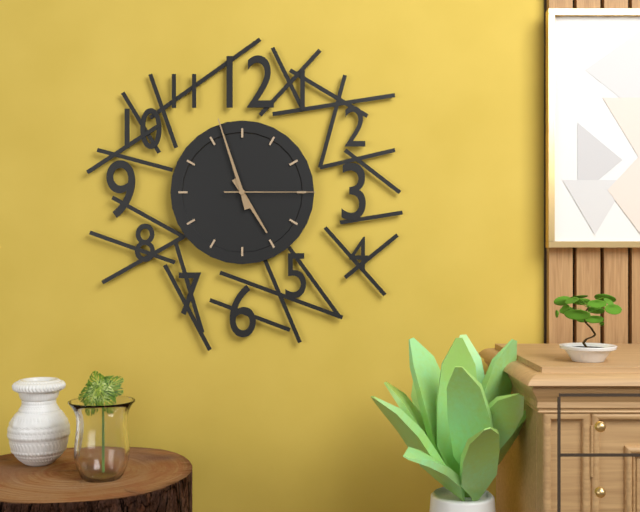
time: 4:57:15
